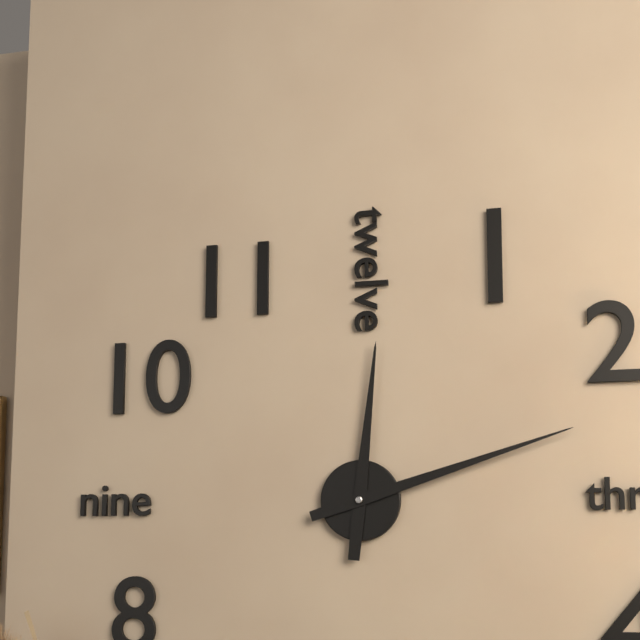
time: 12:12
